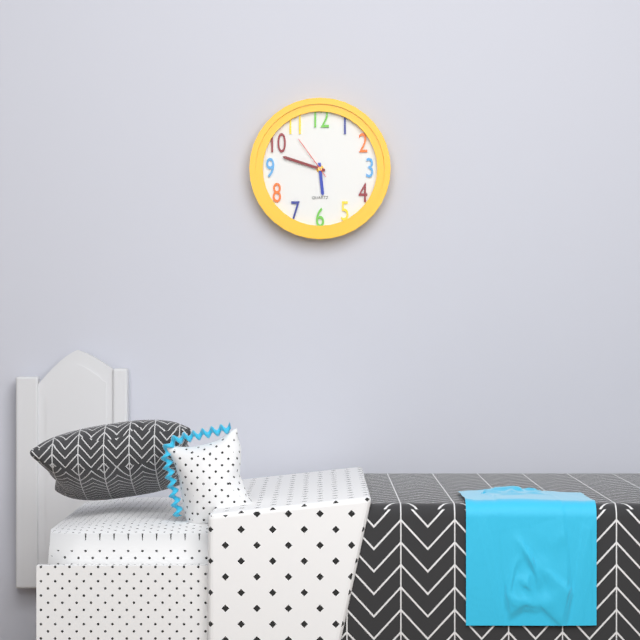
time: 5:48
